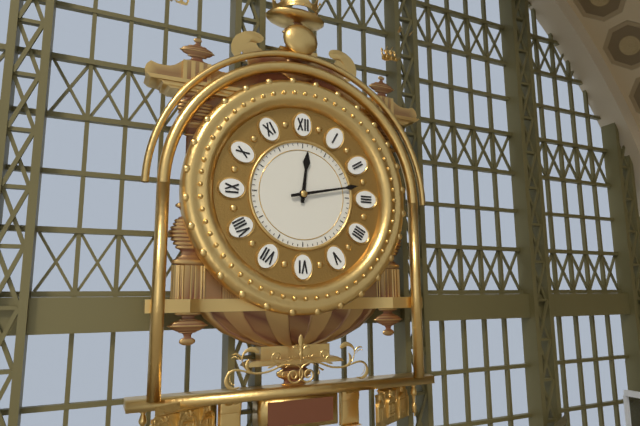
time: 12:13
